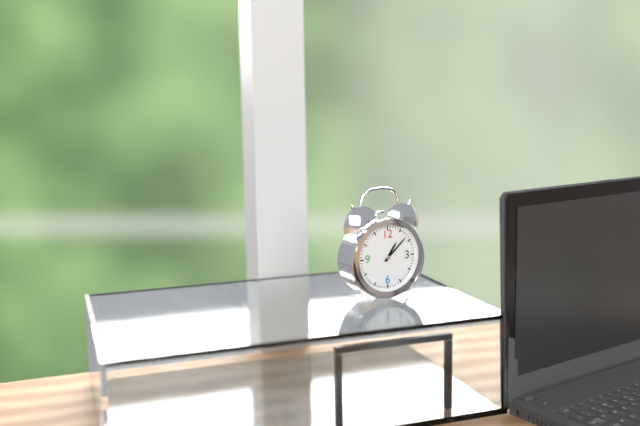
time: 1:08
